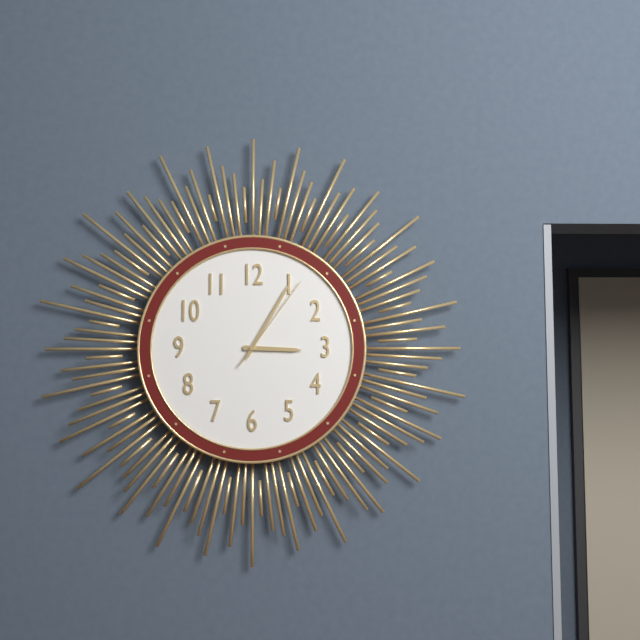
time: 3:05:06
